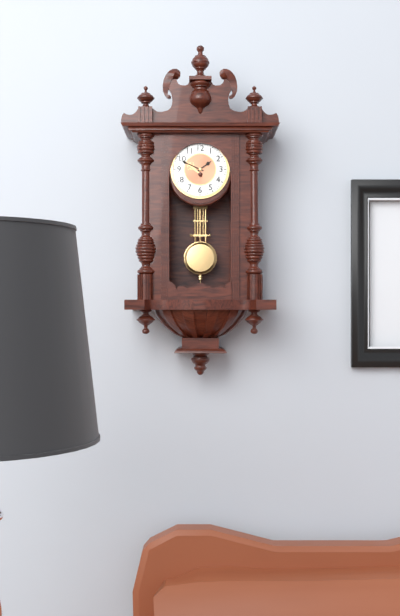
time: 1:49
